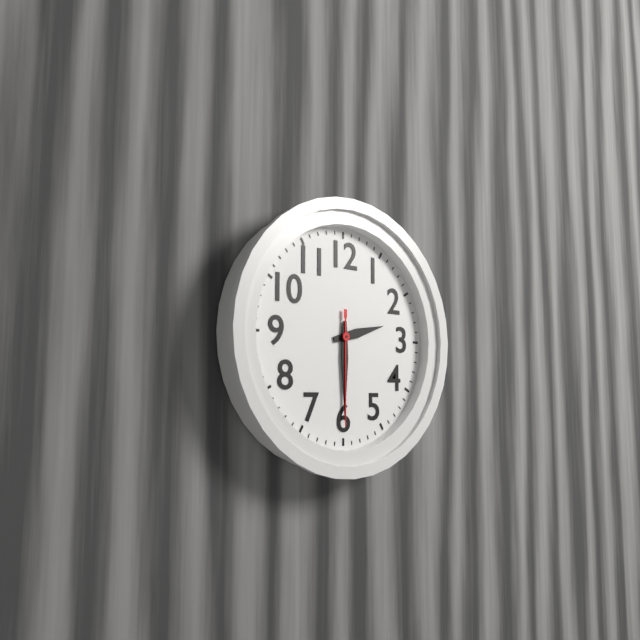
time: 2:30:30
